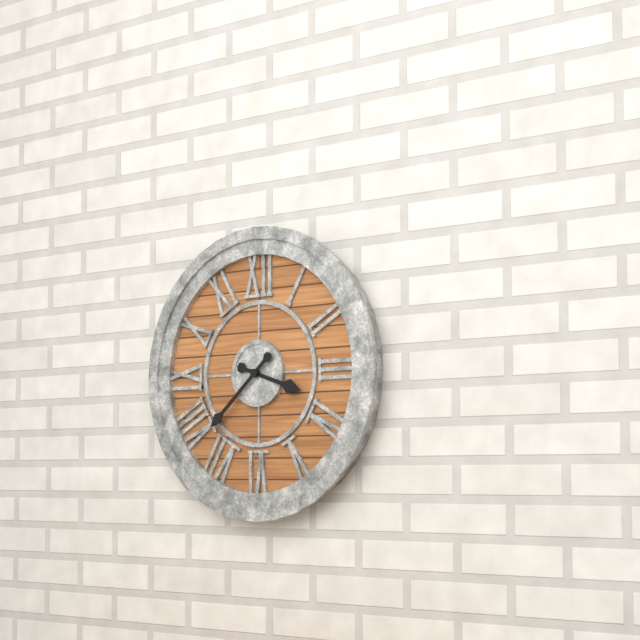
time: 3:38
